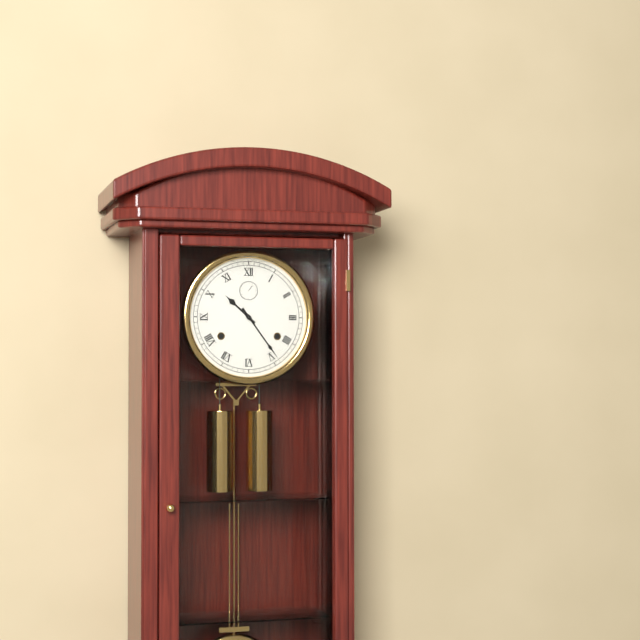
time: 10:24
